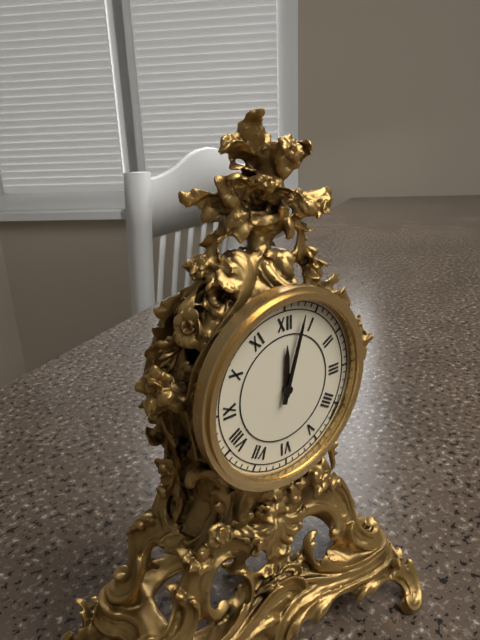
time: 12:03
